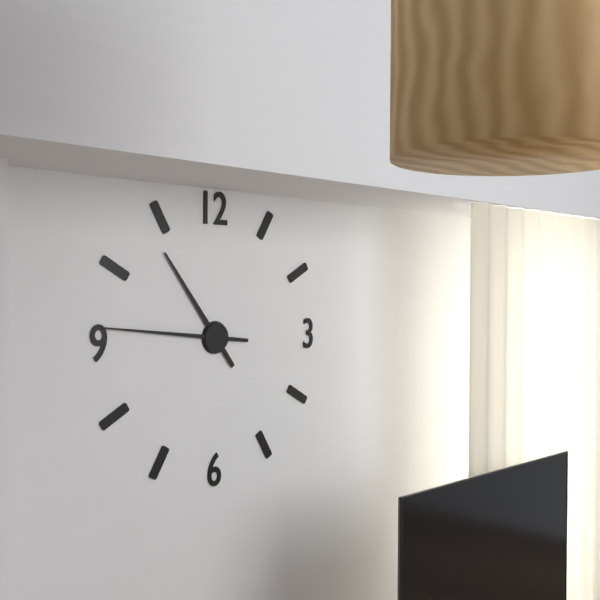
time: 10:46
